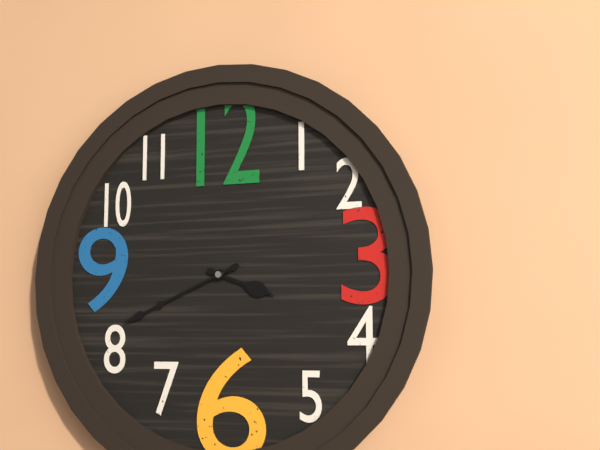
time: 3:41
